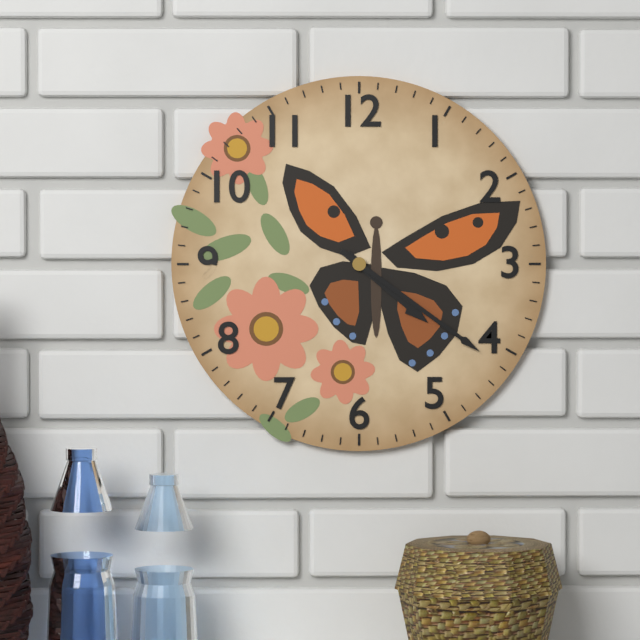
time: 4:21
